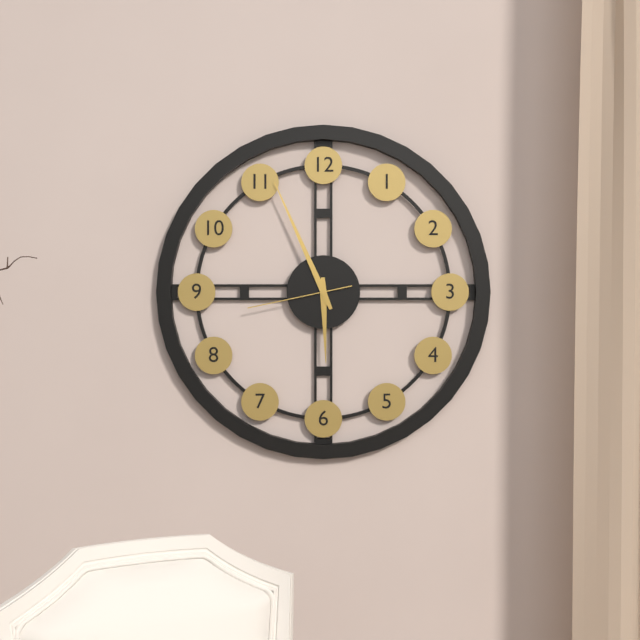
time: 5:56:43
